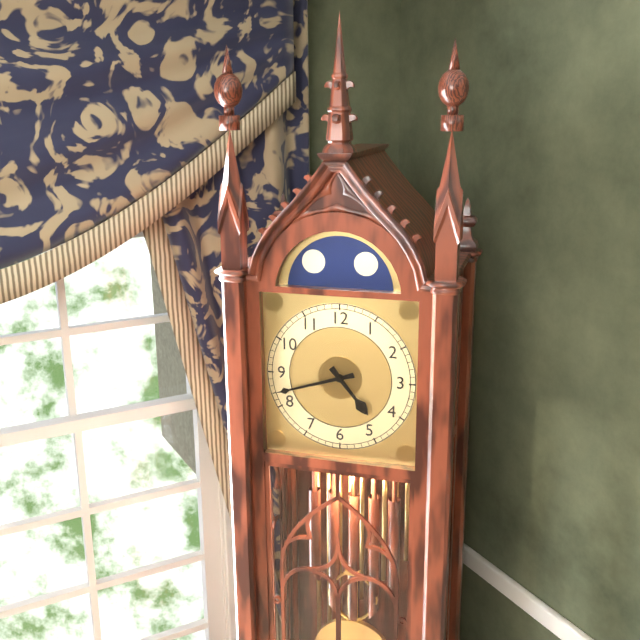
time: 4:42
